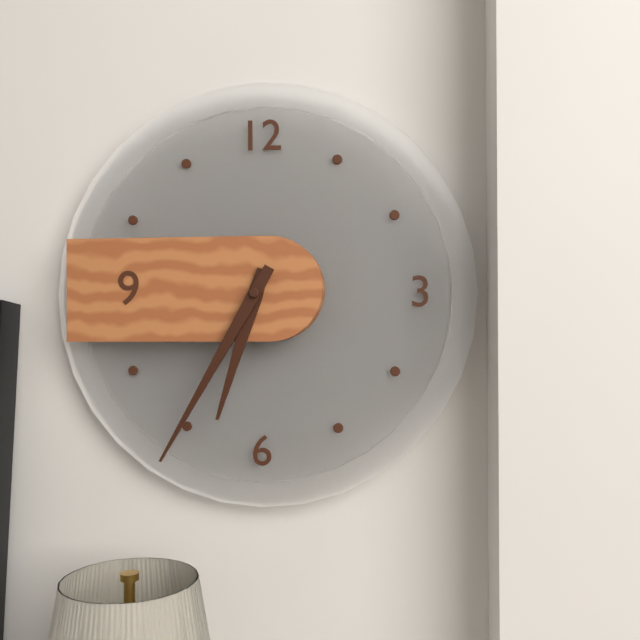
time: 6:35
